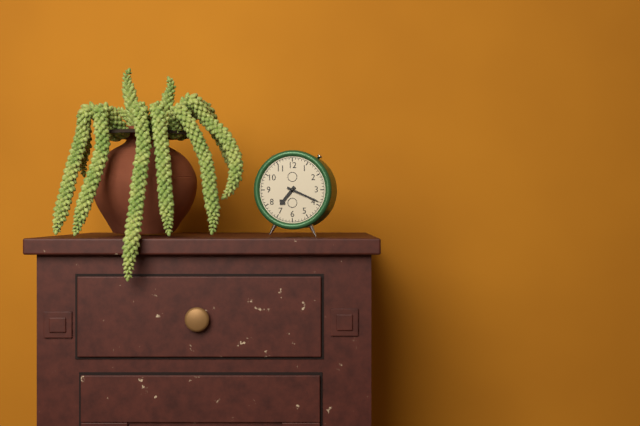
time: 7:19
